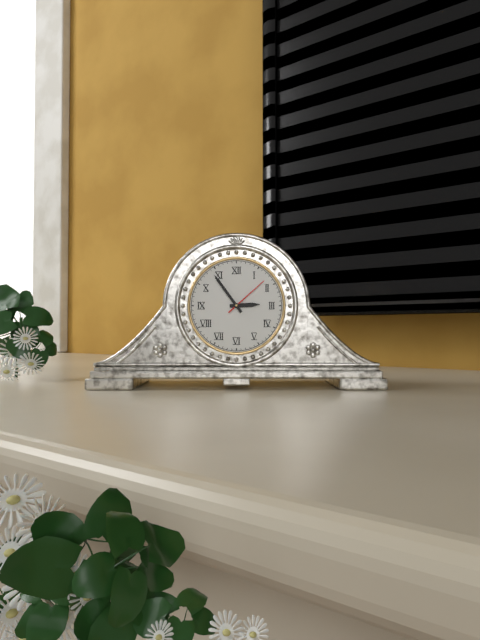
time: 2:54
